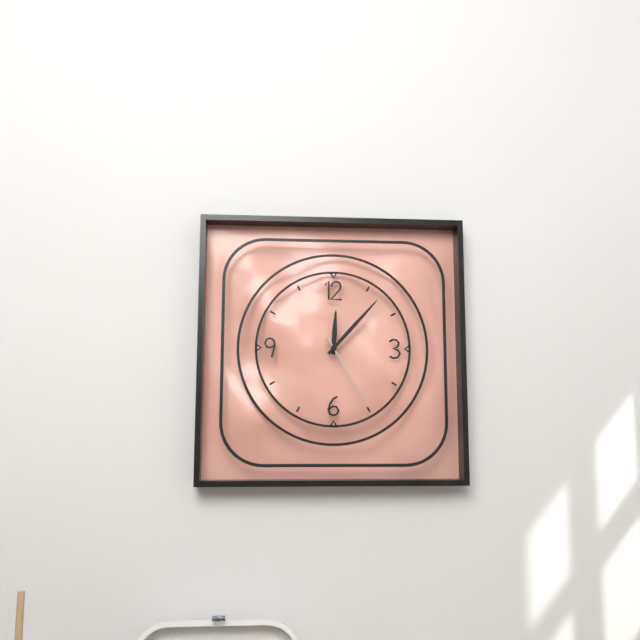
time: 12:07:25
